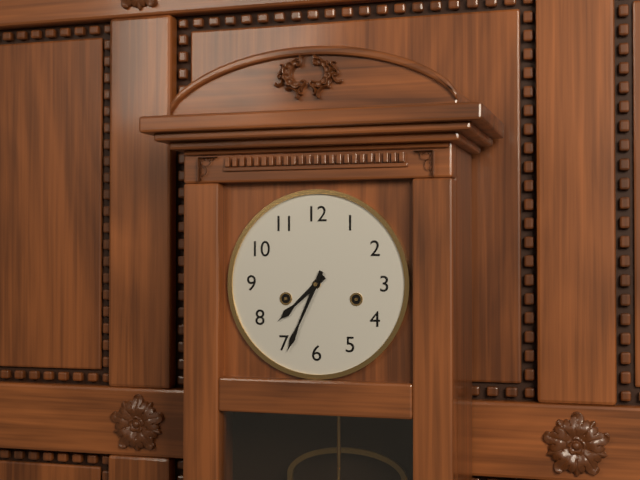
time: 7:34
